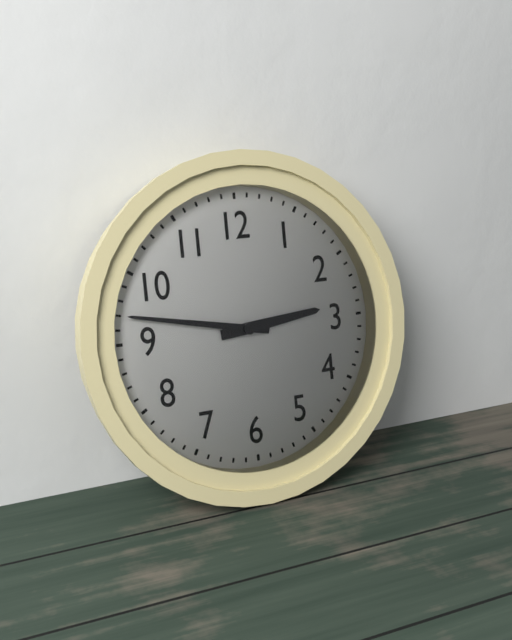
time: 2:47
